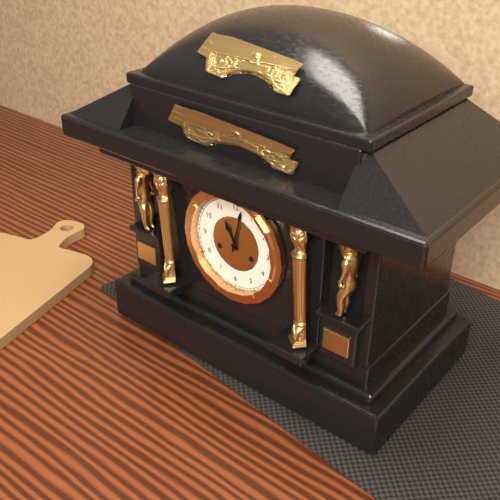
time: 11:02
